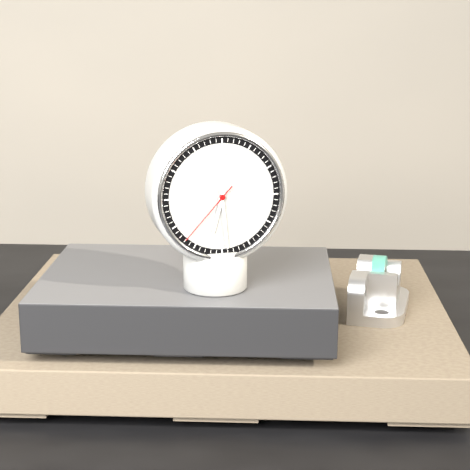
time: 6:29:37
